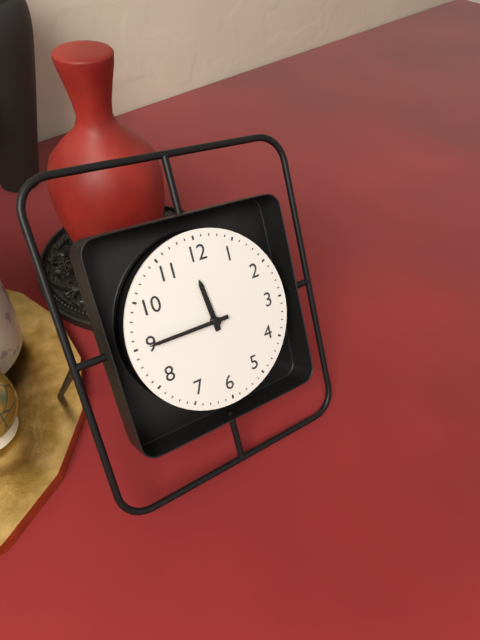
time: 11:45
